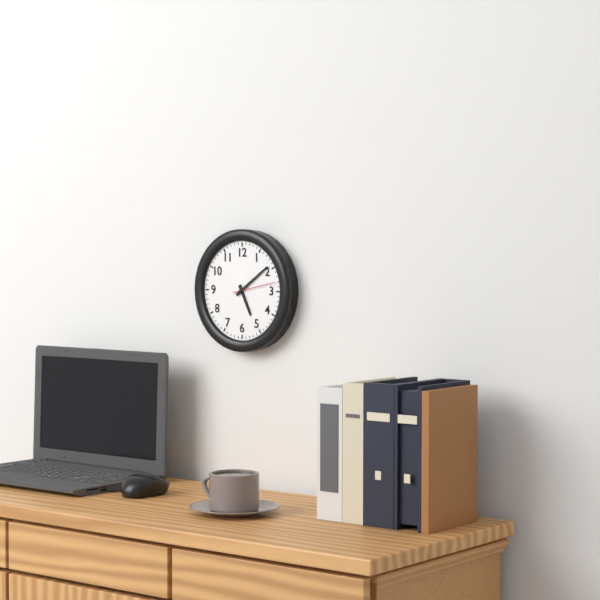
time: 5:09
